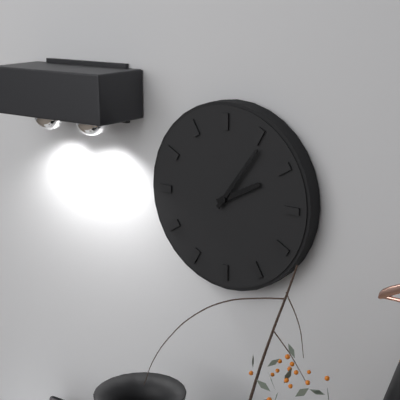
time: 2:06
